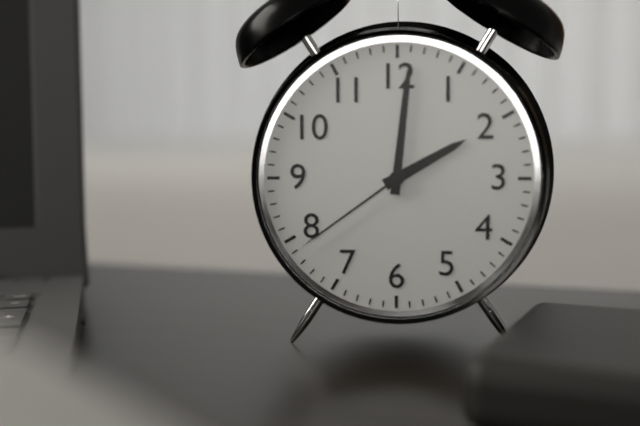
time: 2:01:39
